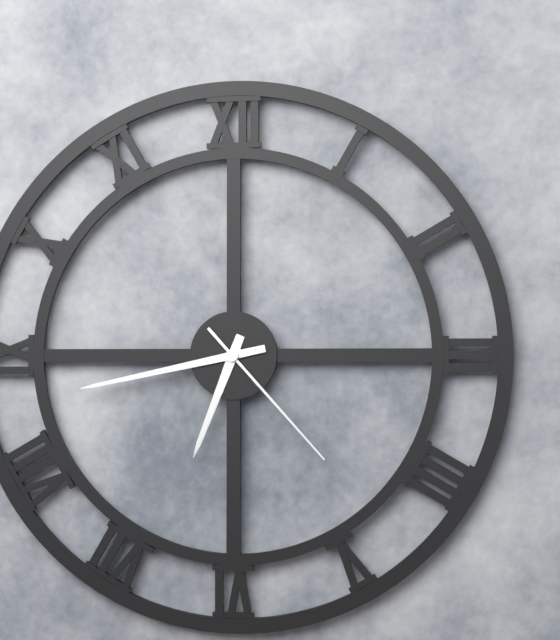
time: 6:43:23
